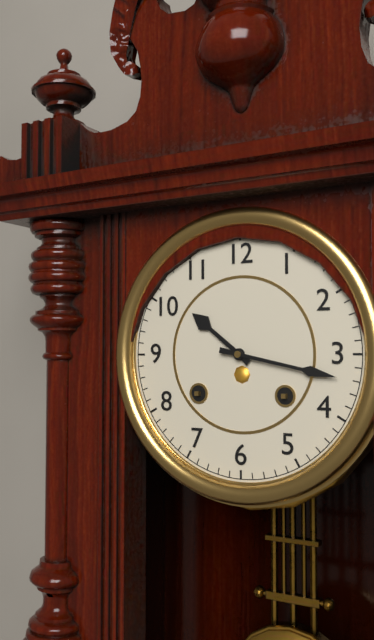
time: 10:17
